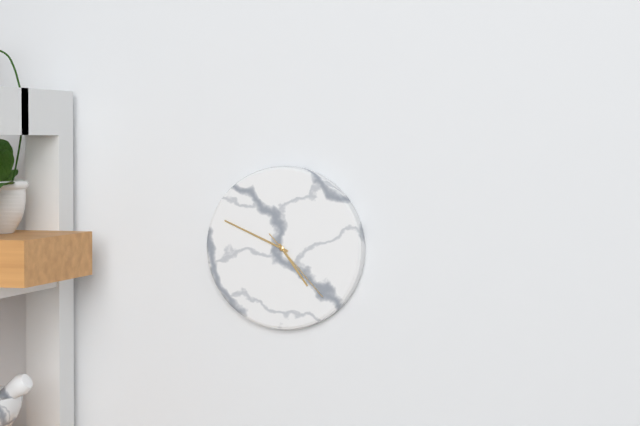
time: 4:49:23
